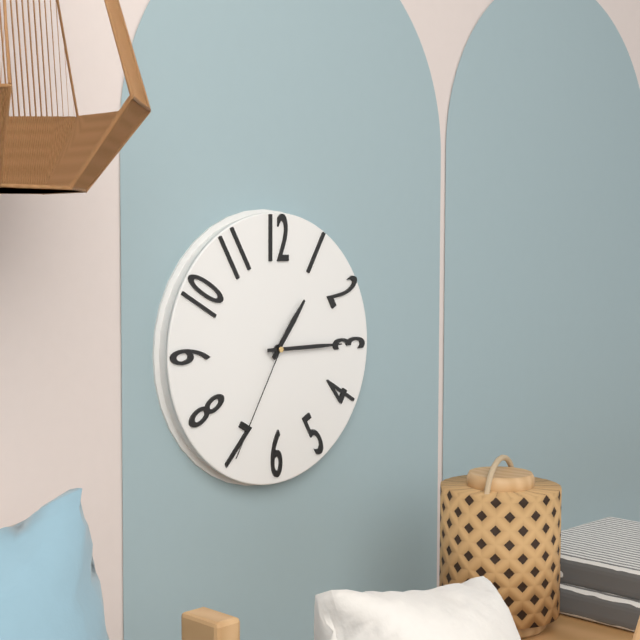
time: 1:15:35
